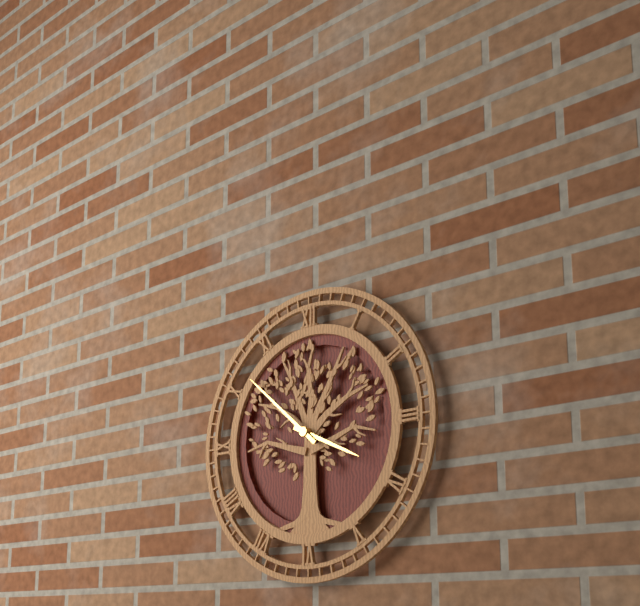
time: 3:52
